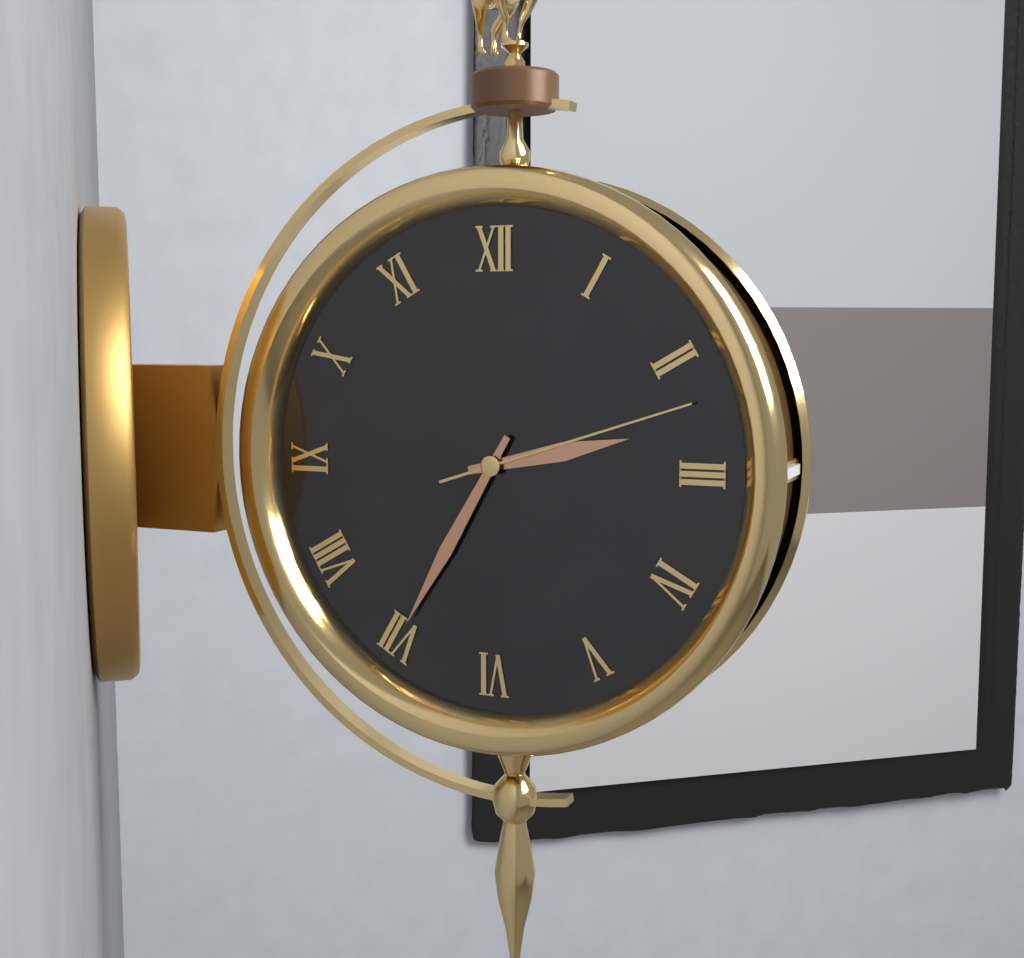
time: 2:35:12
